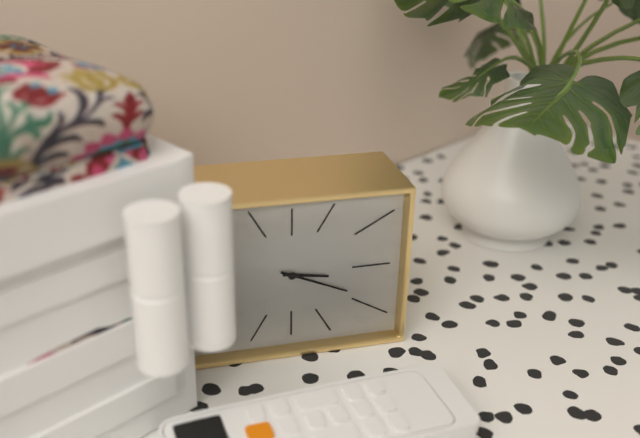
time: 3:19
